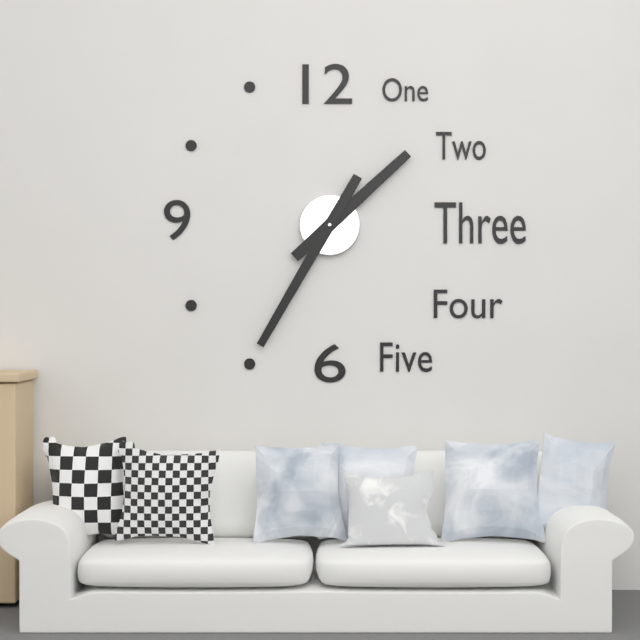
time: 1:35
